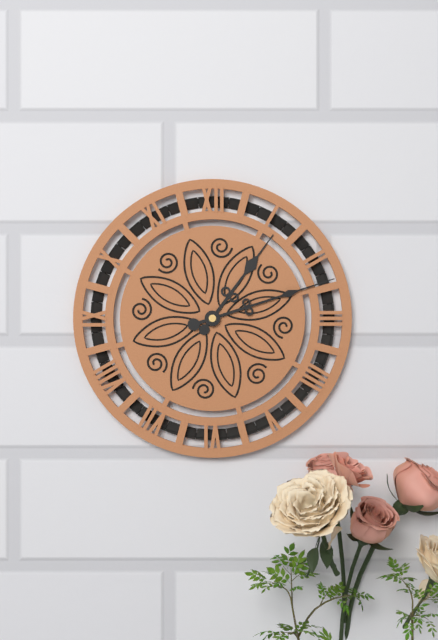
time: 1:12
